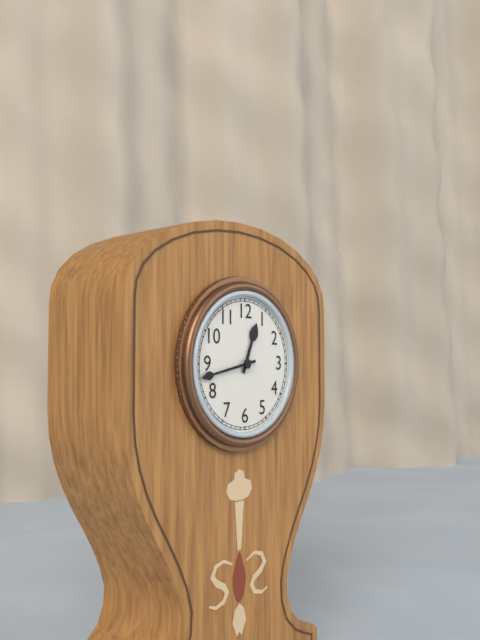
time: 12:43
